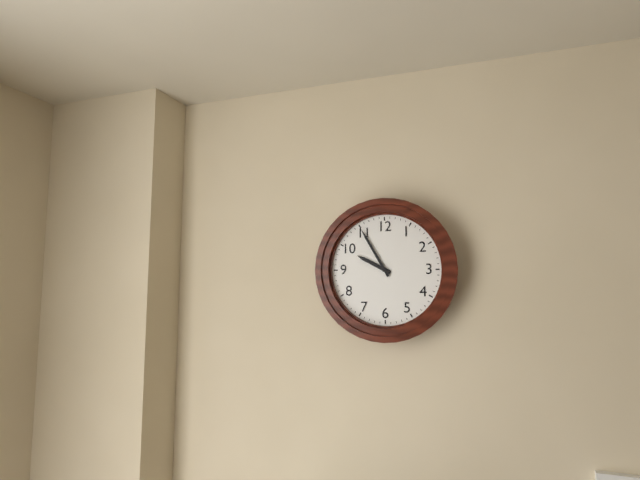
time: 9:55
